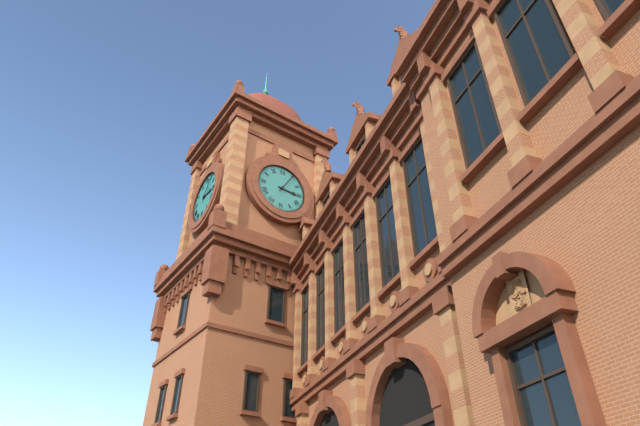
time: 3:05
